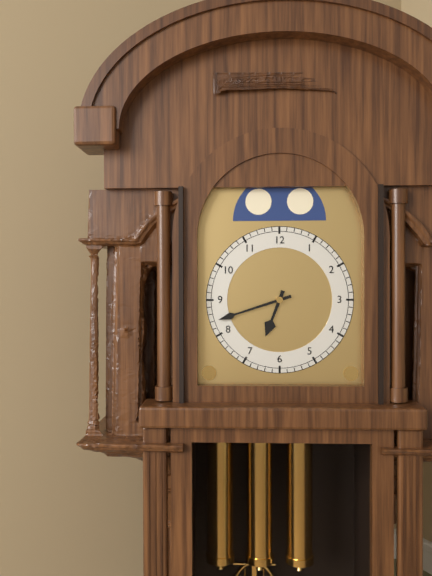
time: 6:42
